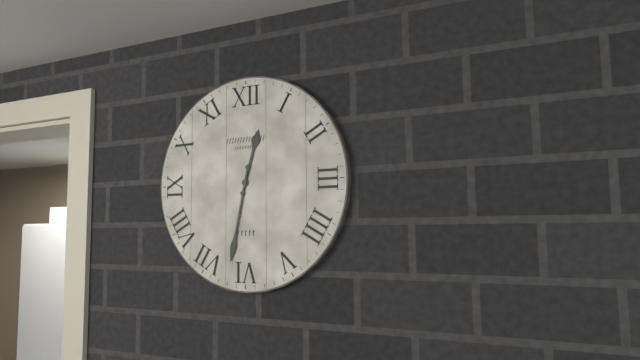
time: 12:32
